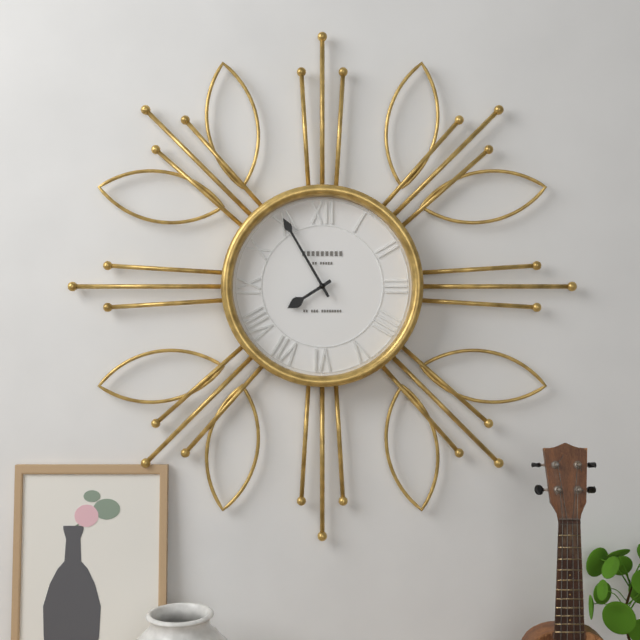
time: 7:55
